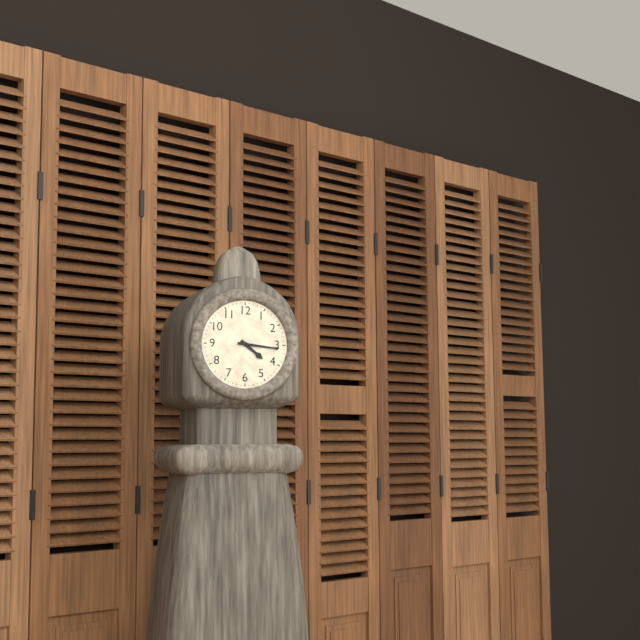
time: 4:16
